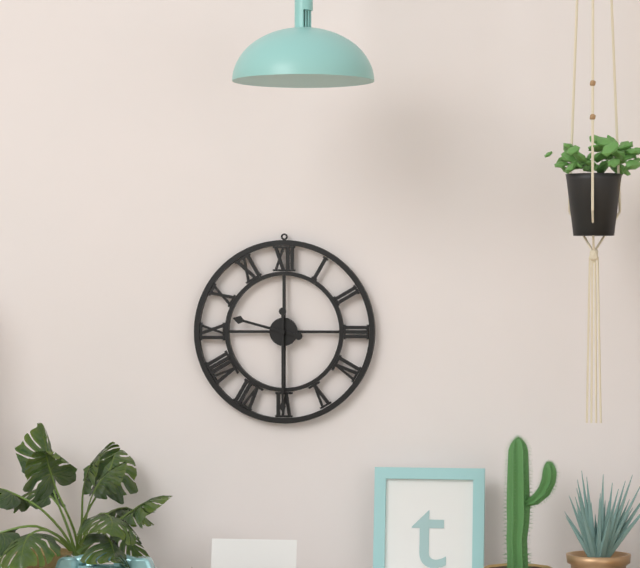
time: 9:30
